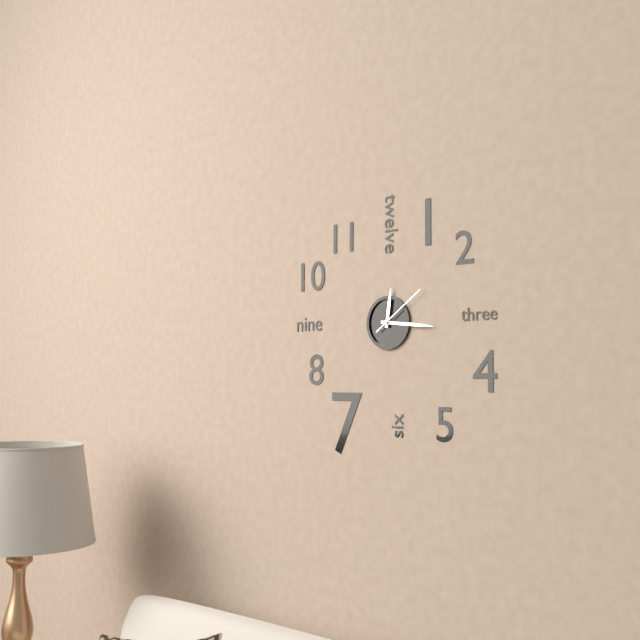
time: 12:16:09
